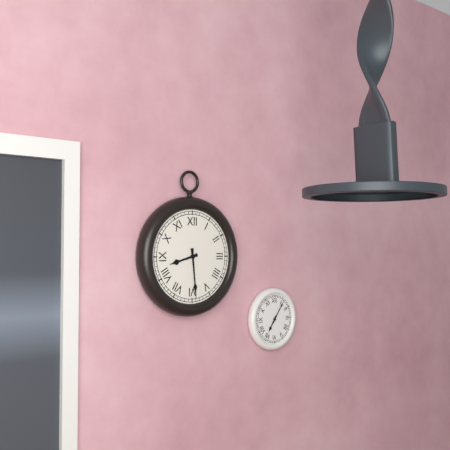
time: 8:29
